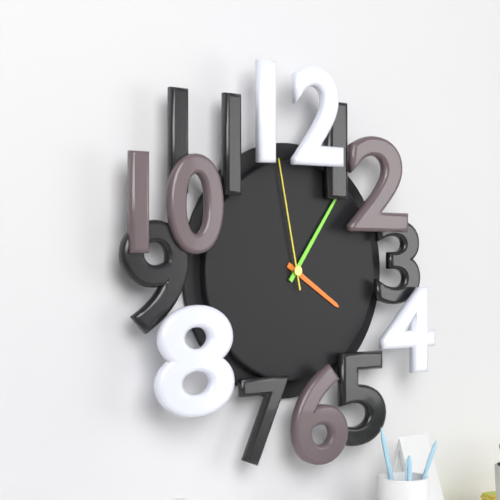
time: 4:06:58
